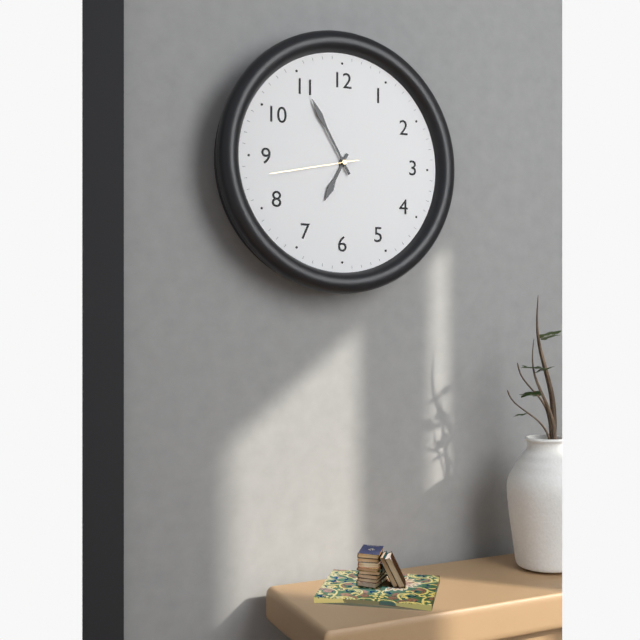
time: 6:55:43
